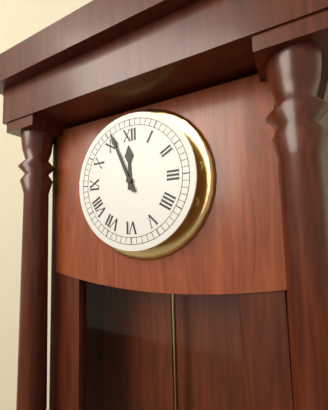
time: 11:56
